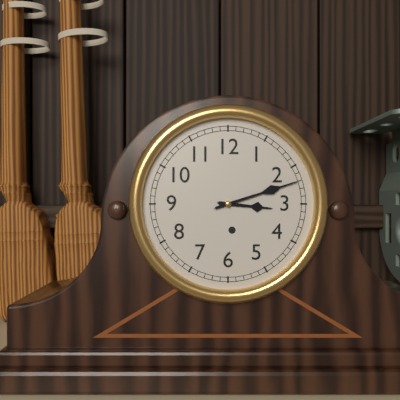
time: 3:12
